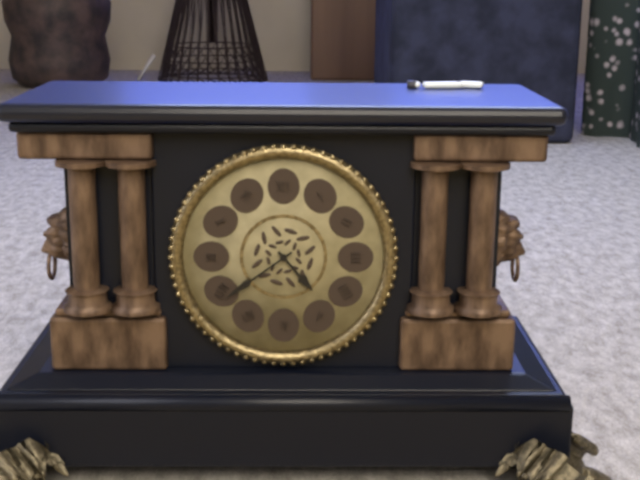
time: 4:39
